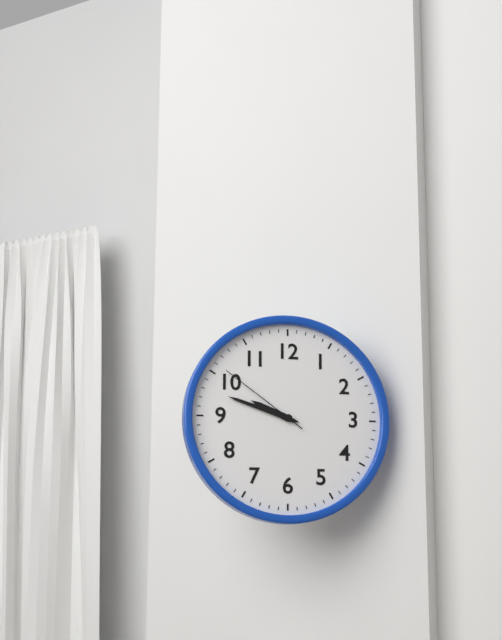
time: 9:48:51
